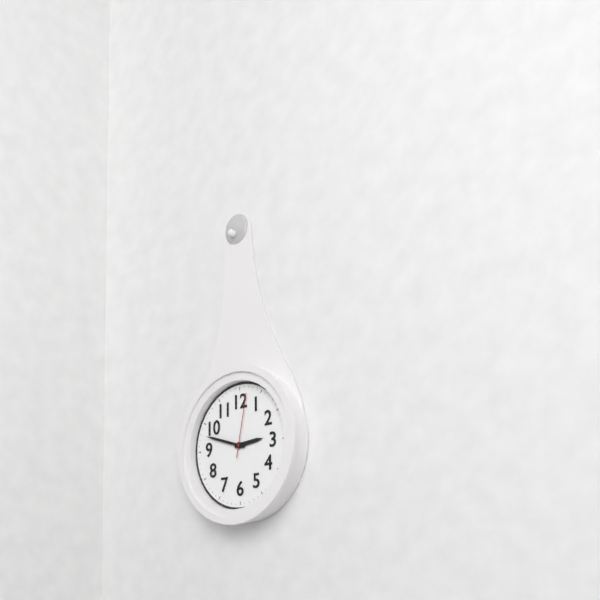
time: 2:48:02
